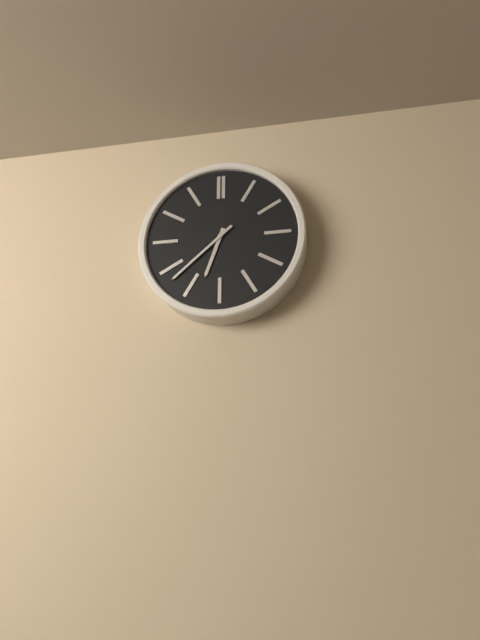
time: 6:38
